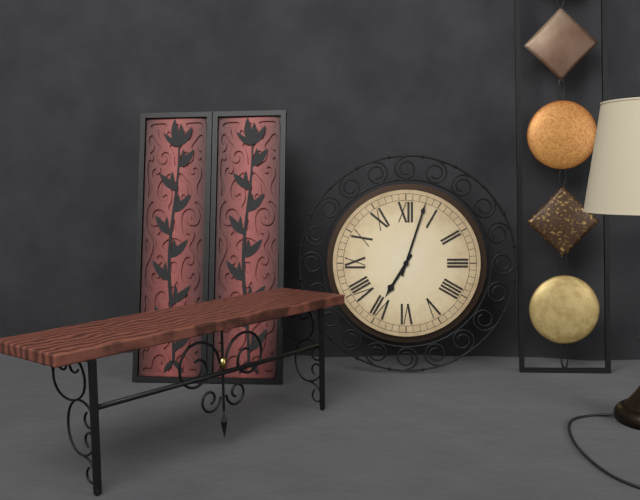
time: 7:03
